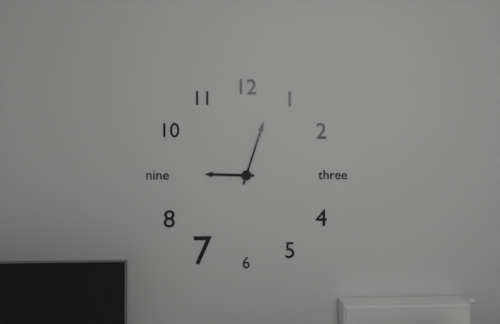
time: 9:03
